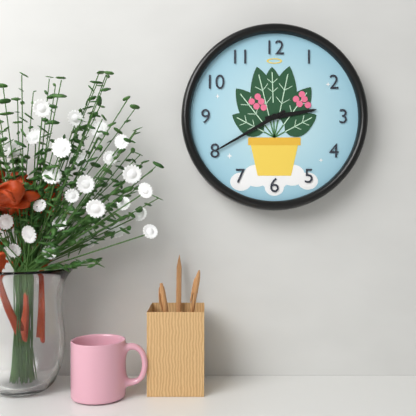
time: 2:40
